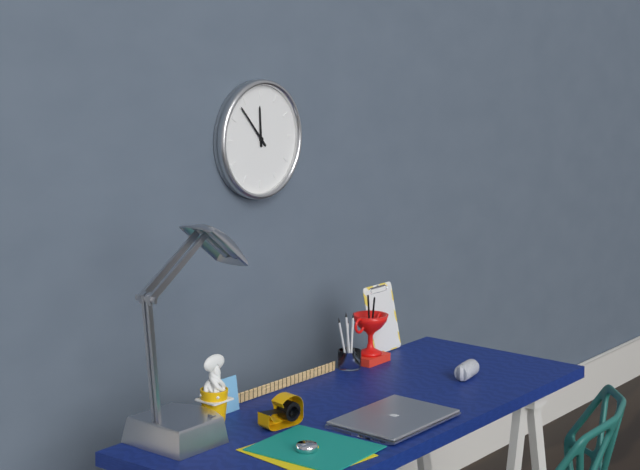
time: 11:53
